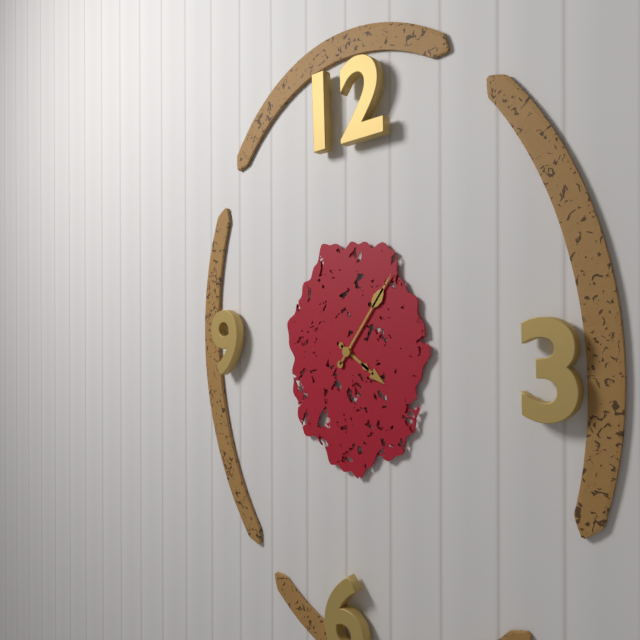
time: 4:06
